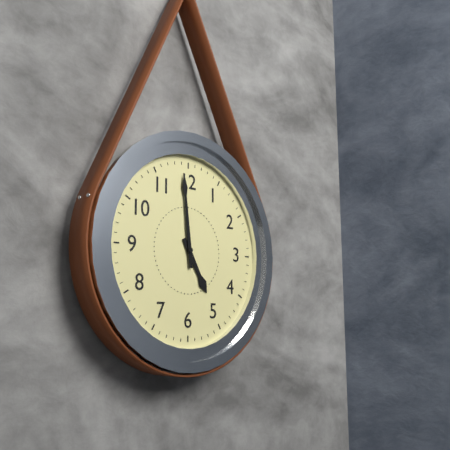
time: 4:59
